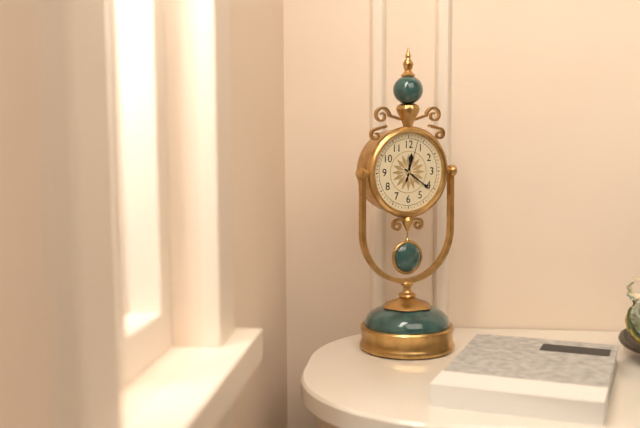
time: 12:21
